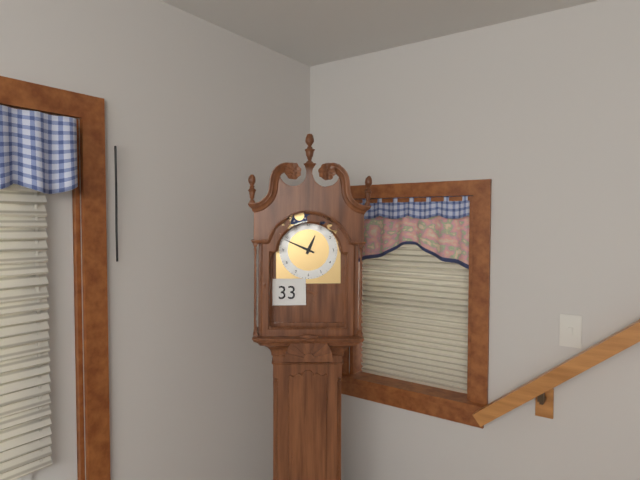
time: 12:49
